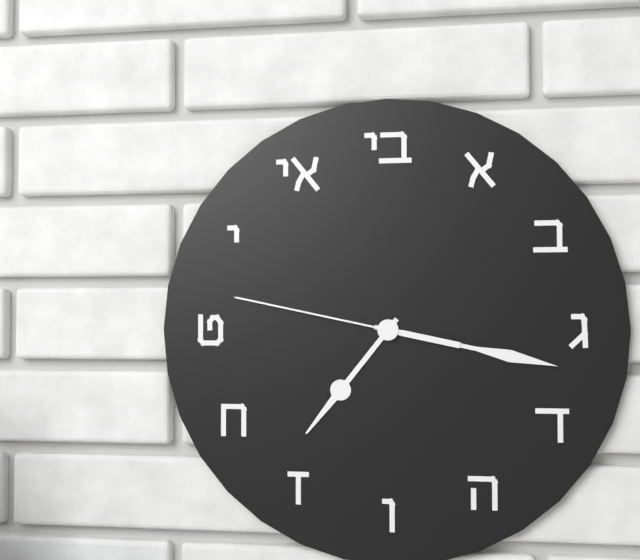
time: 7:17:47
